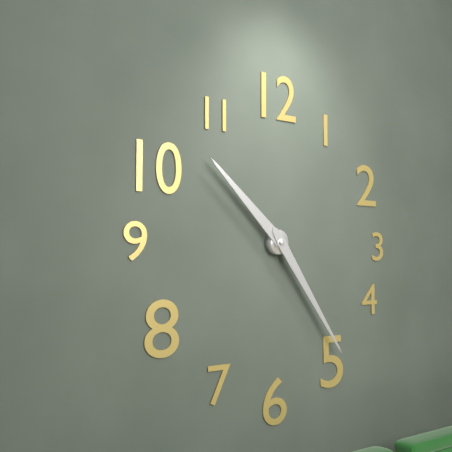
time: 10:24
